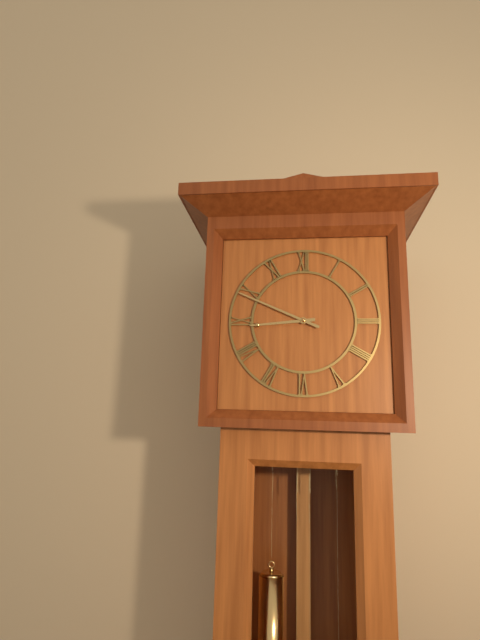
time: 8:49
